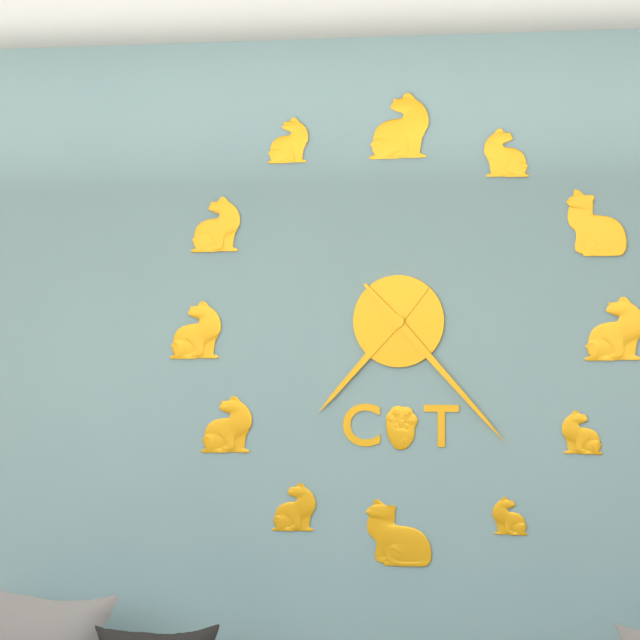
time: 7:23
